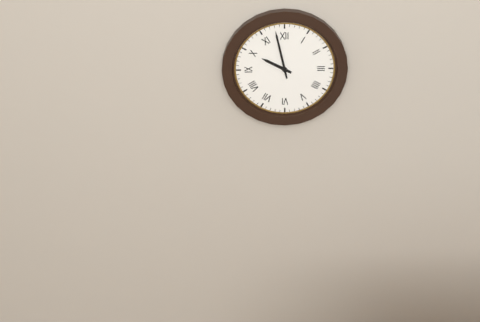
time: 9:58
